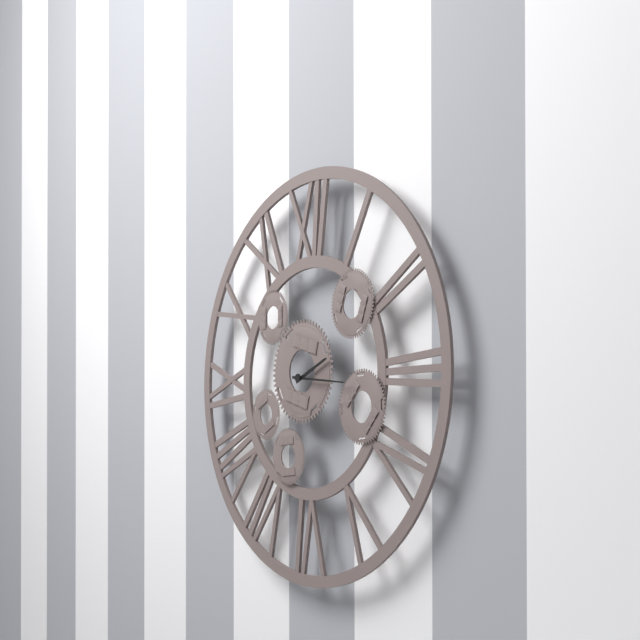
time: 2:16
